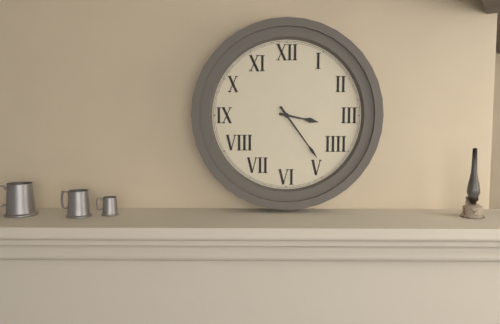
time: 3:24
